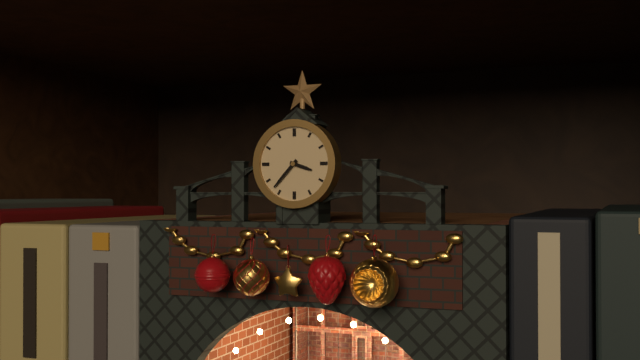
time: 3:37
